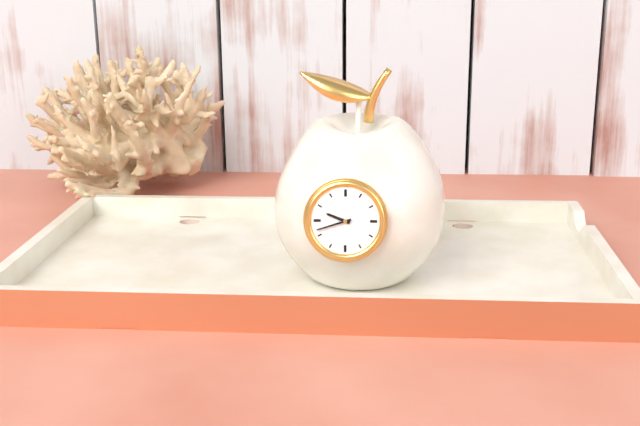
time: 9:42
